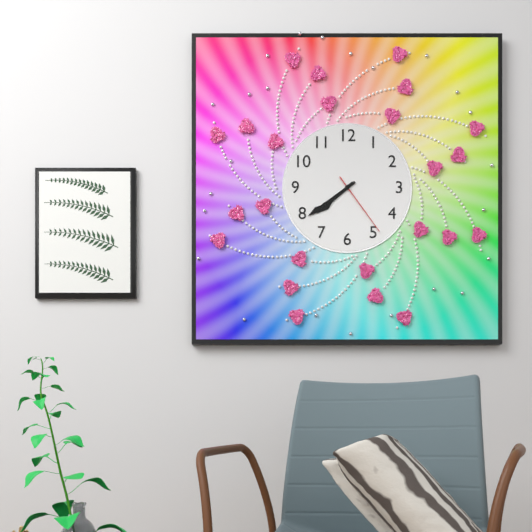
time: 7:39:24
